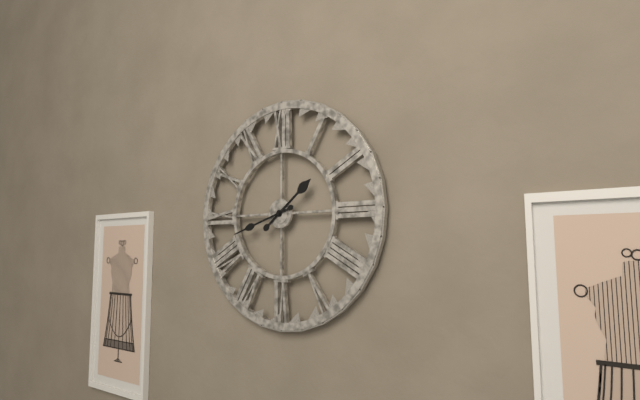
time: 1:42
